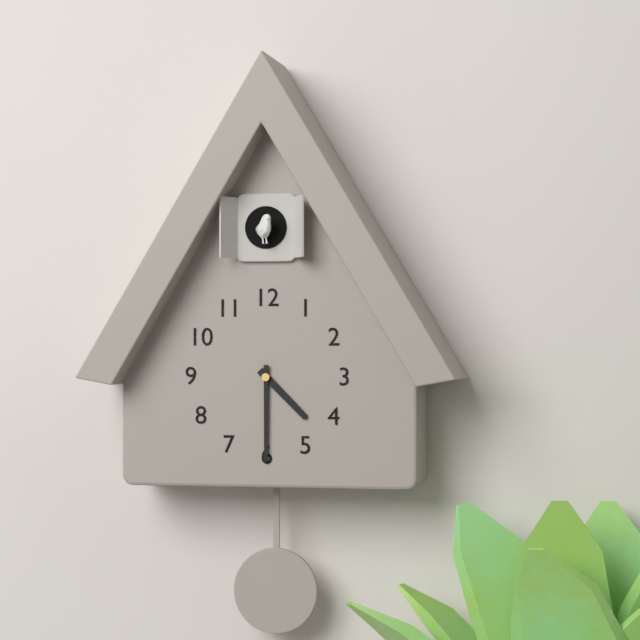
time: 4:30
